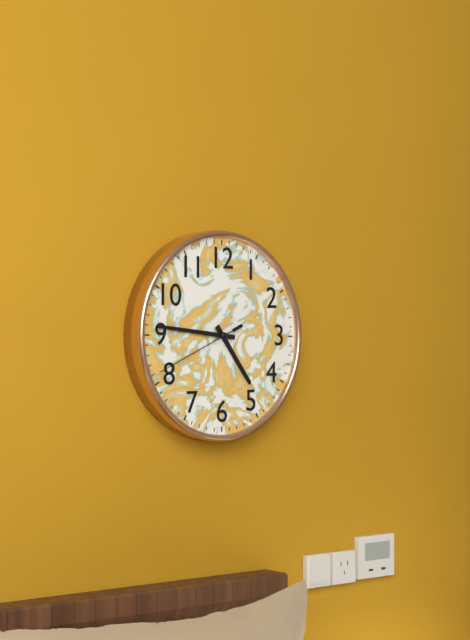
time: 4:46:41
